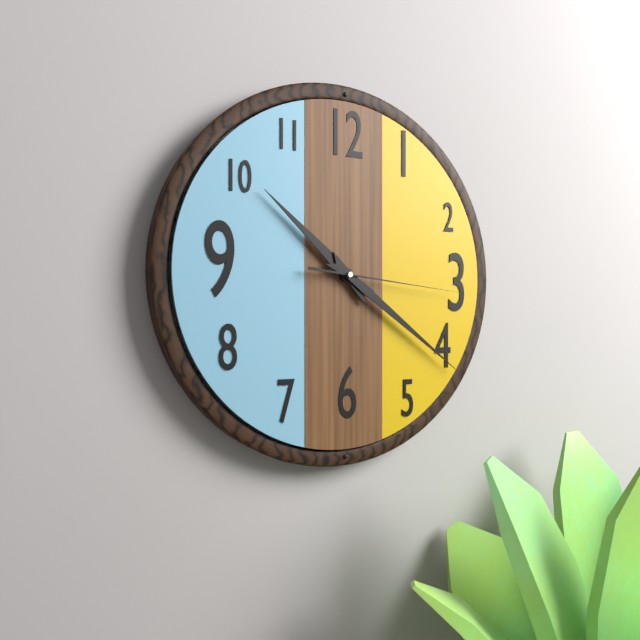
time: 10:21:16
